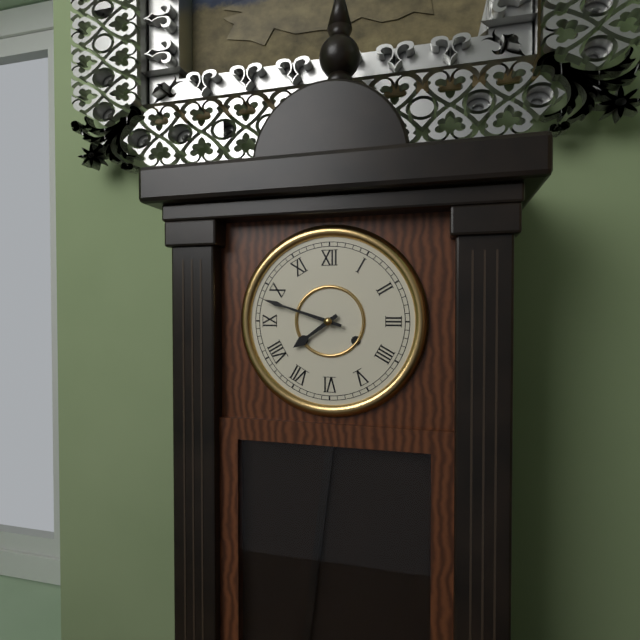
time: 7:48
